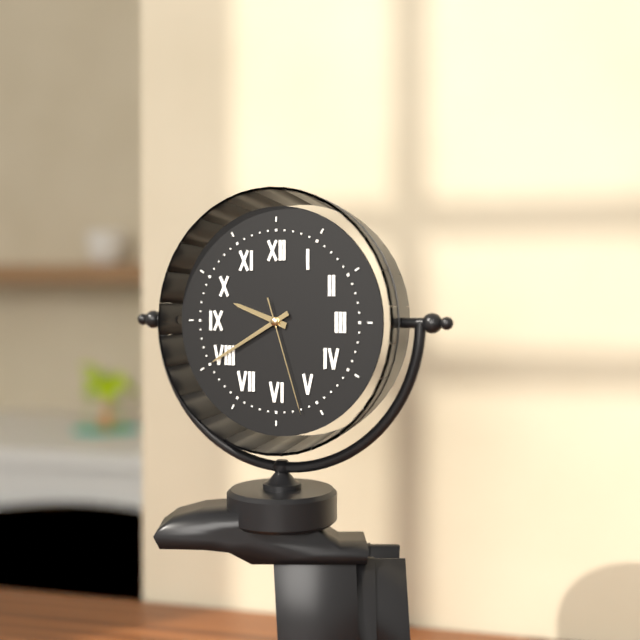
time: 9:40:27
